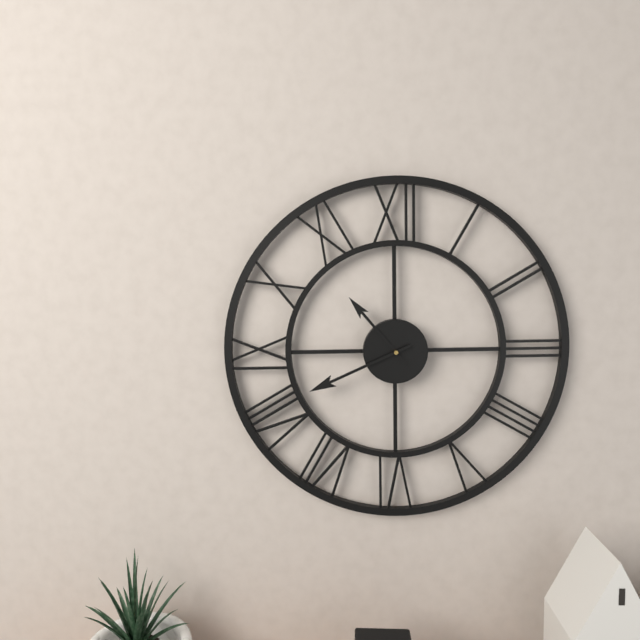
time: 10:41
